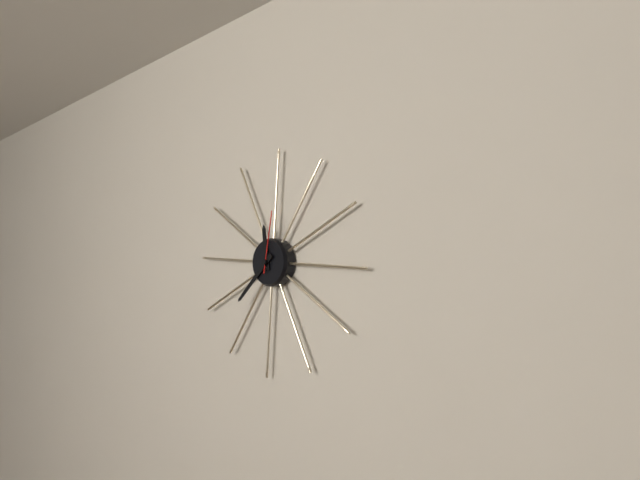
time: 11:37:01
